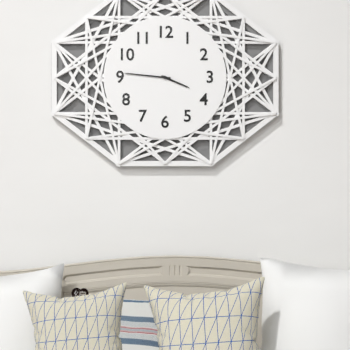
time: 3:46
